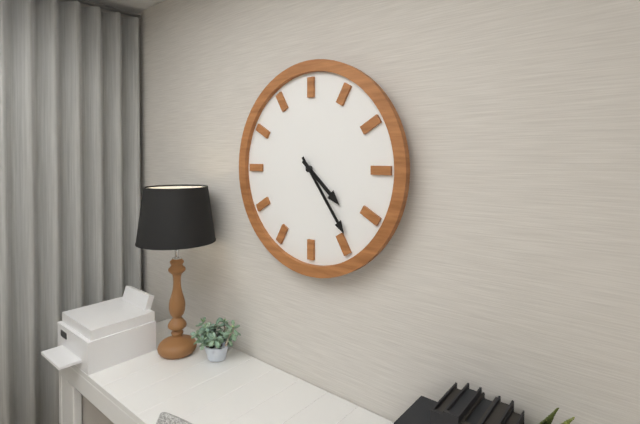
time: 4:24
